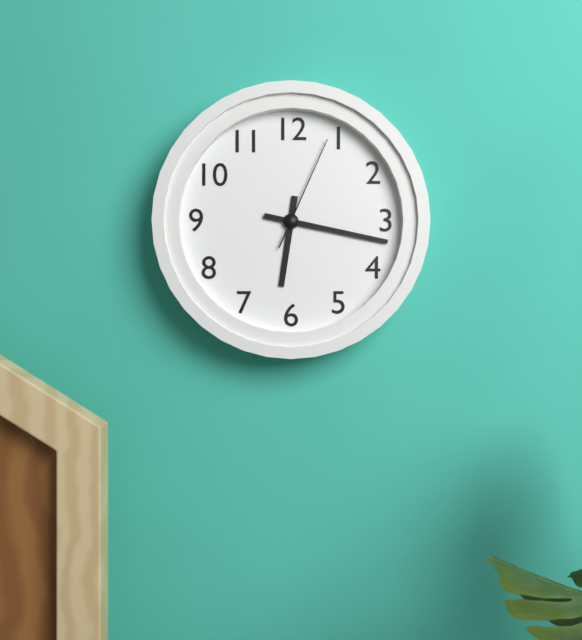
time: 6:17:04
